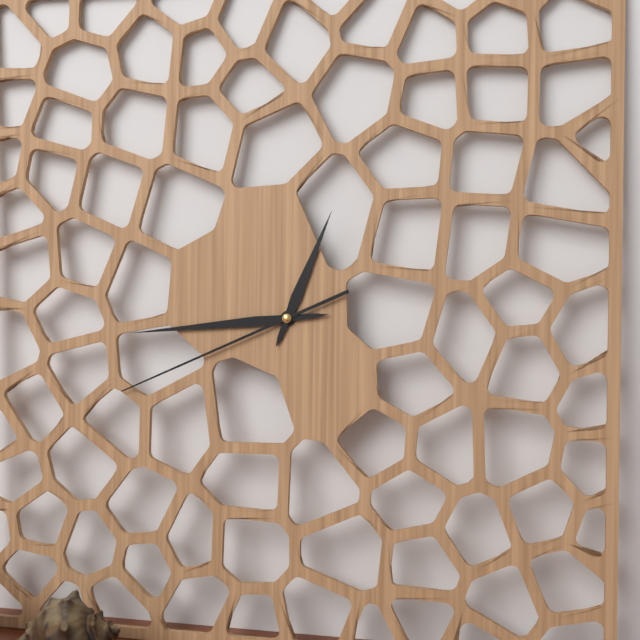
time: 12:44:41
